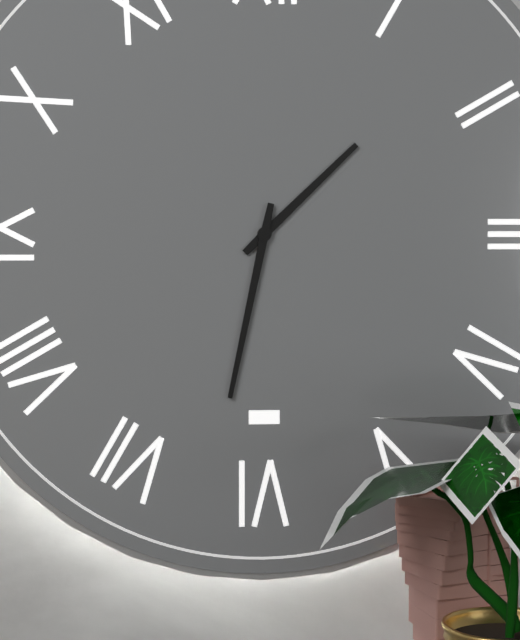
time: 1:32
